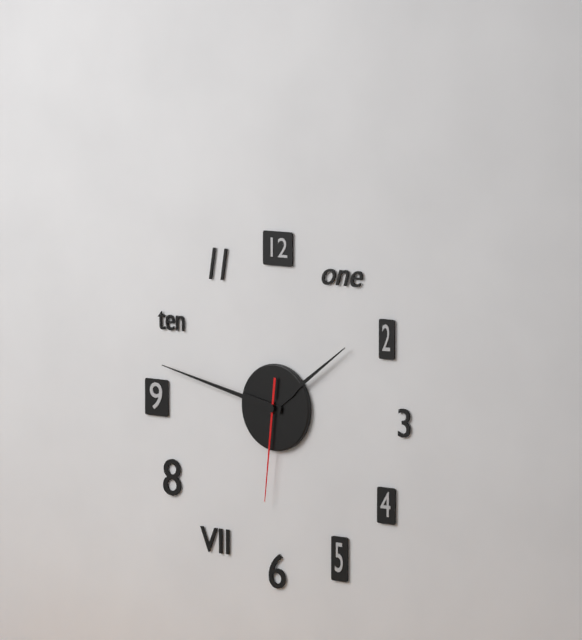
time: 1:47:31
